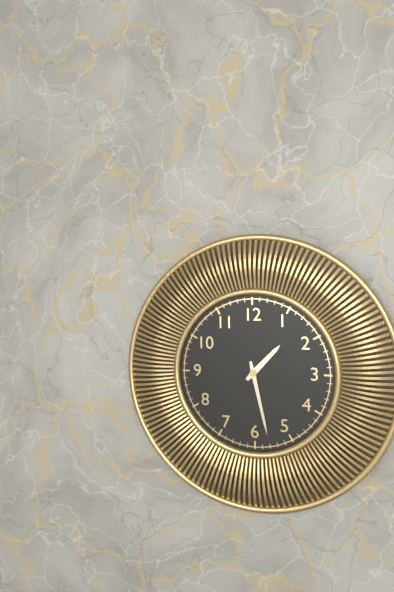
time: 1:28
